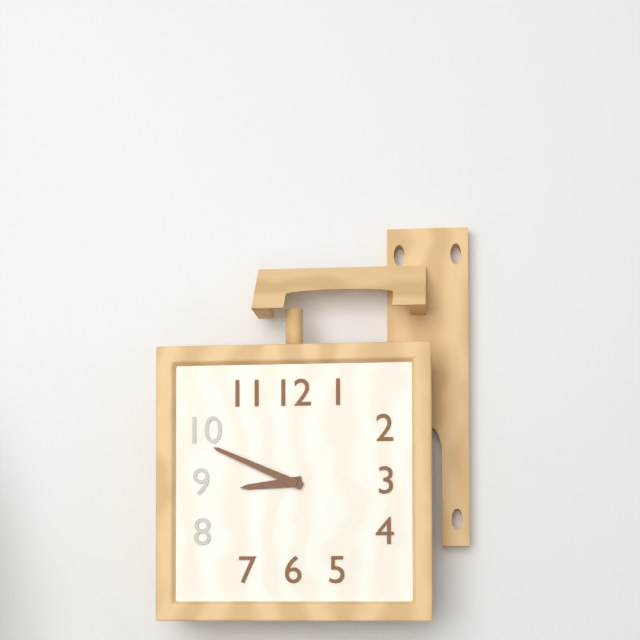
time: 8:49
